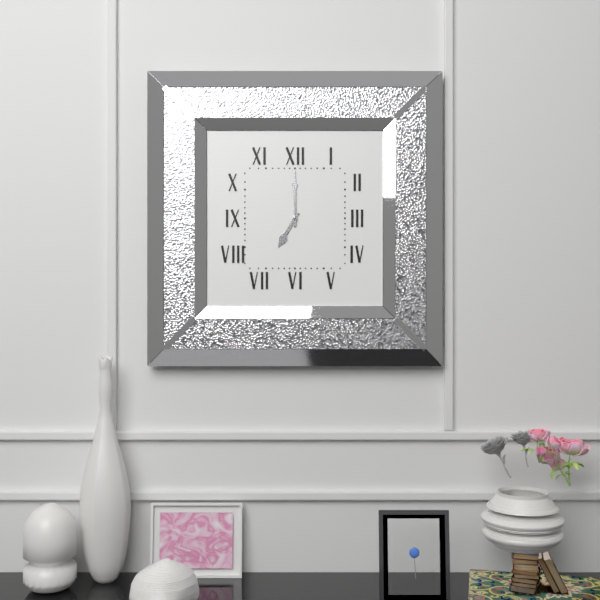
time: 7:00
